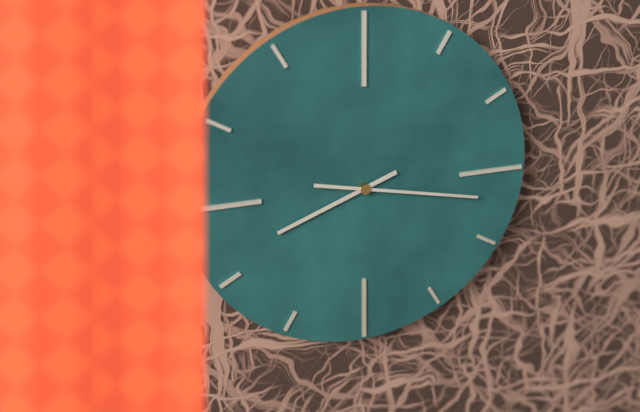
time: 8:17
